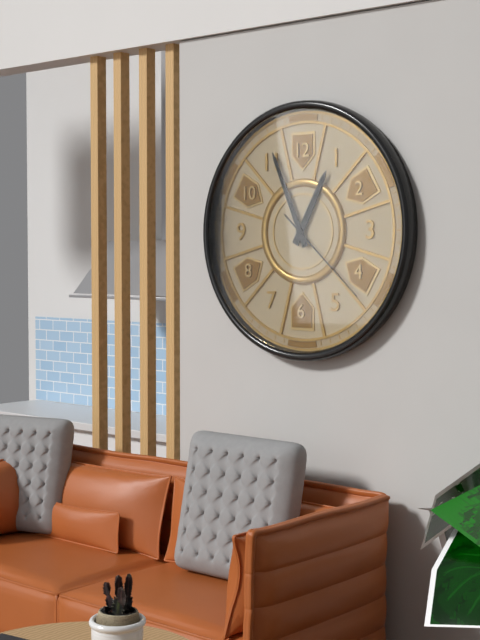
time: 12:56:22
